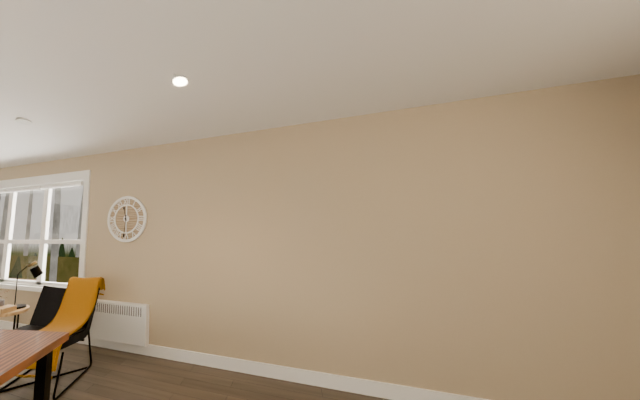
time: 11:31
